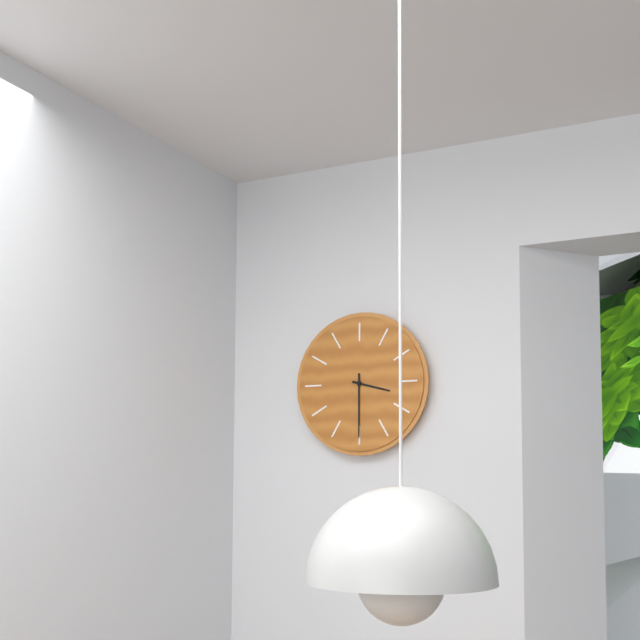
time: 3:30
